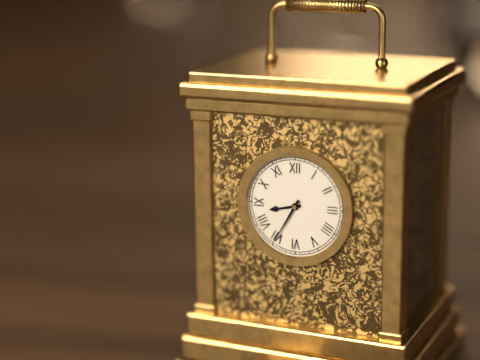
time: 8:35
